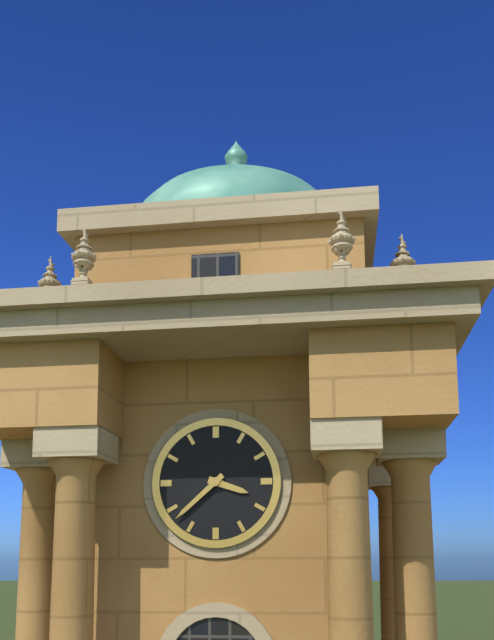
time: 3:38
